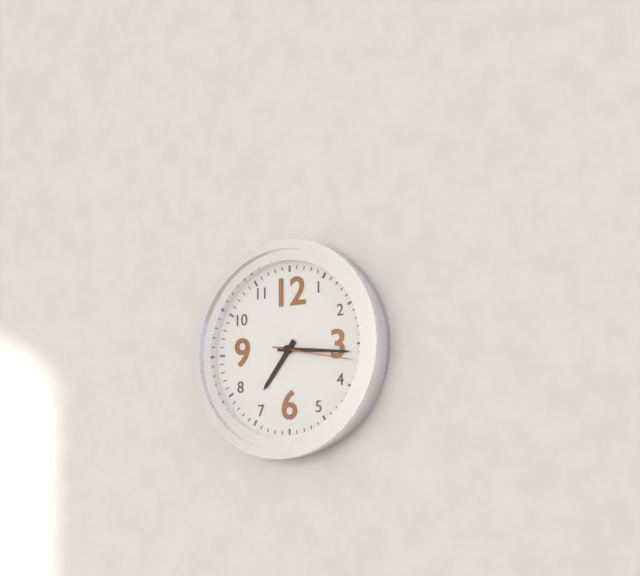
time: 7:16:17
